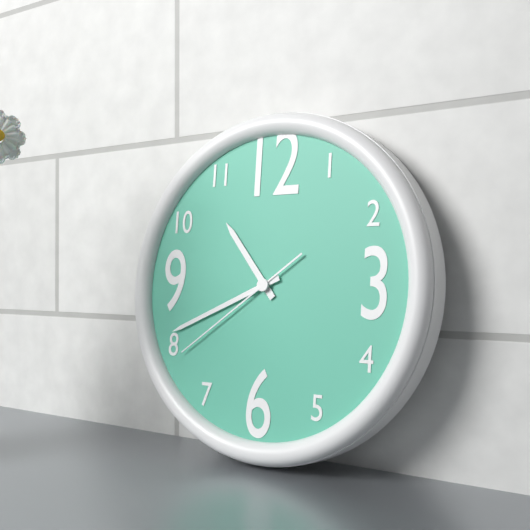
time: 10:41:39
